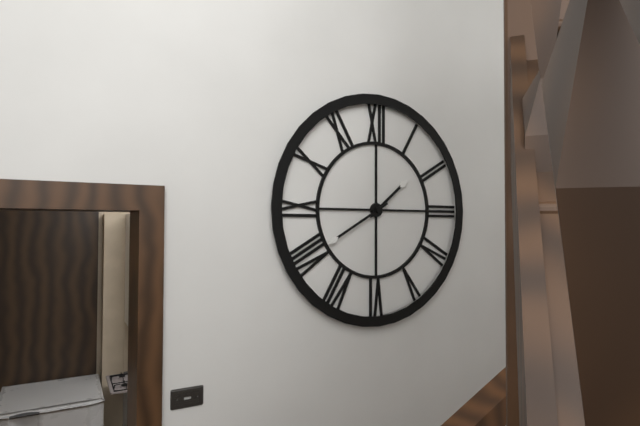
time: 1:40
